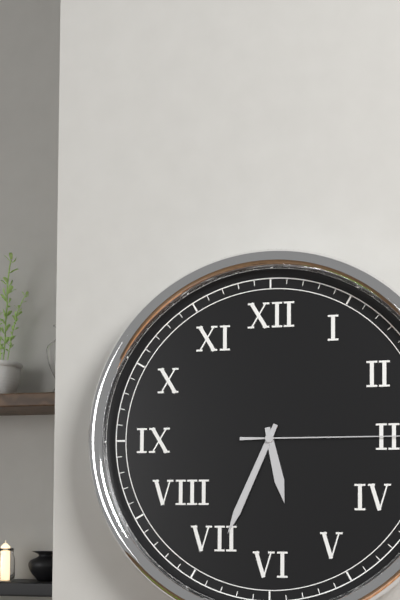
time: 5:34
